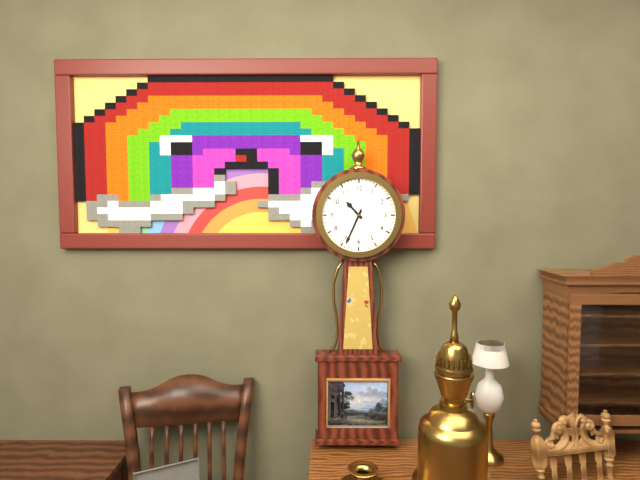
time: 10:34
